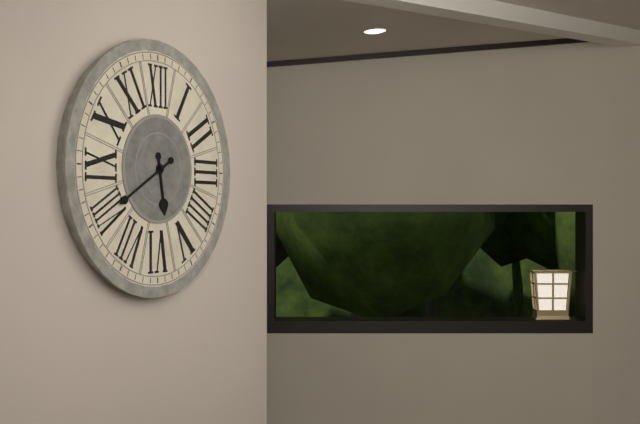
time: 5:40
